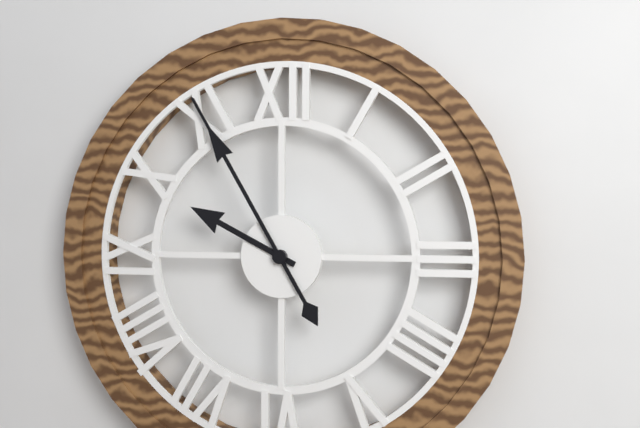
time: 9:55
